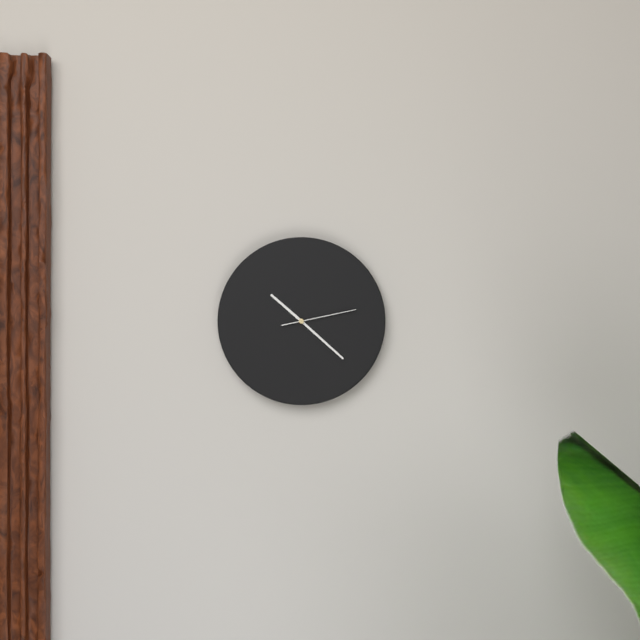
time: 10:22:13
